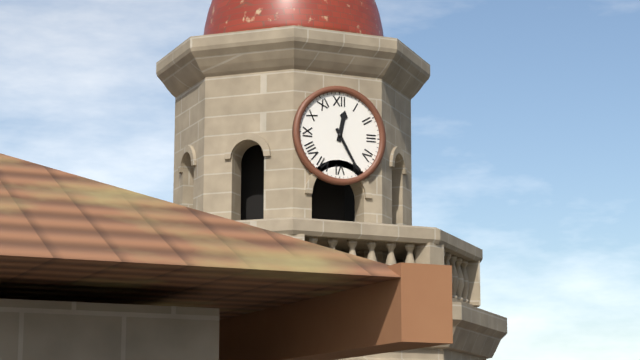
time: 12:25
